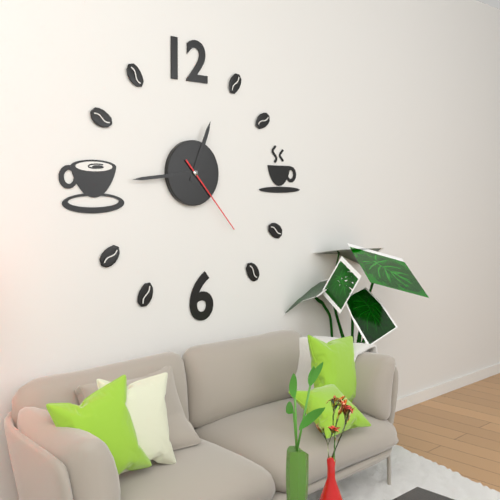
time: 12:44:23
